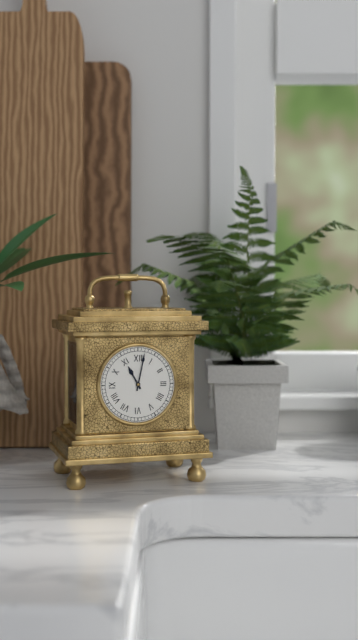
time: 11:02
